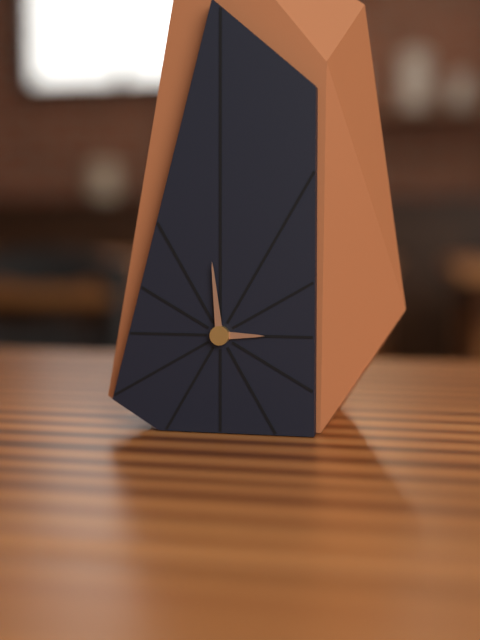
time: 2:59
